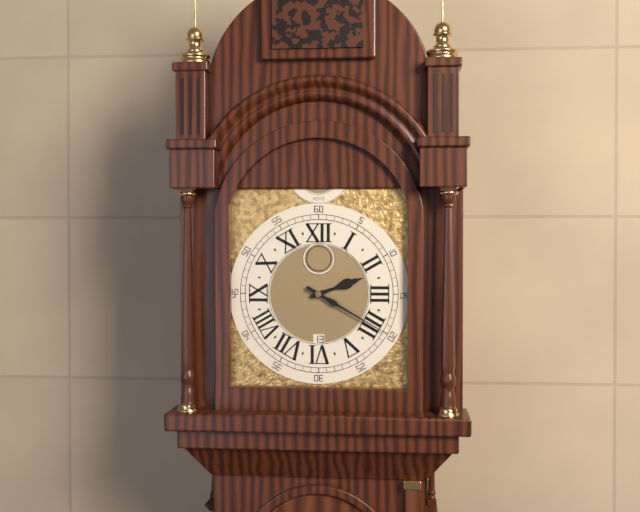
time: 2:20
